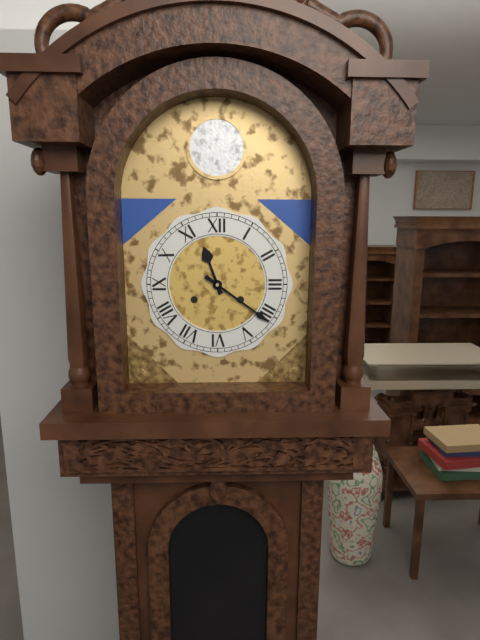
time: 11:21
